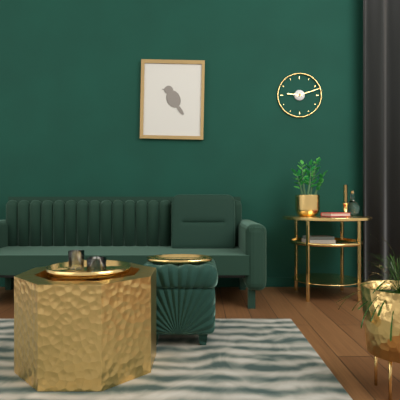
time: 9:12
